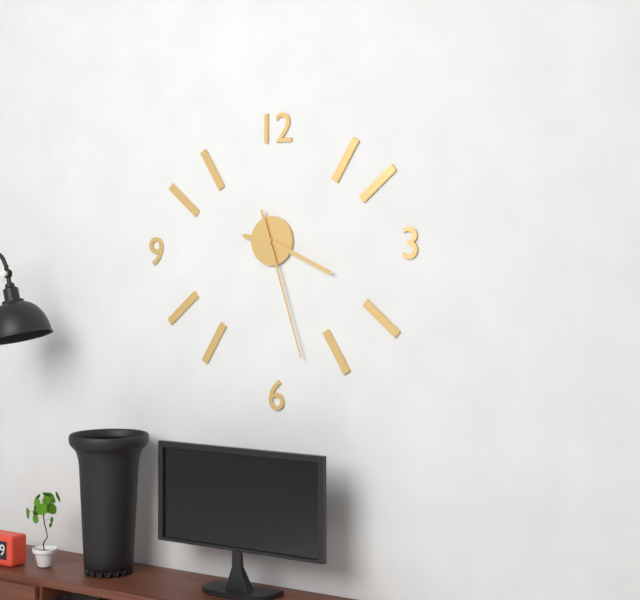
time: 9:19:27
